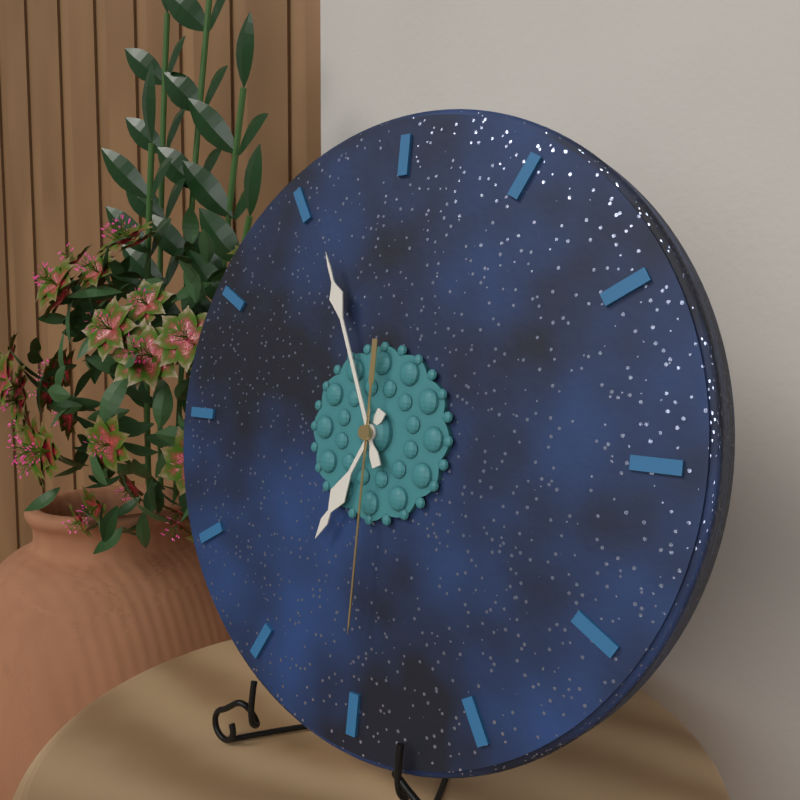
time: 6:56:30
